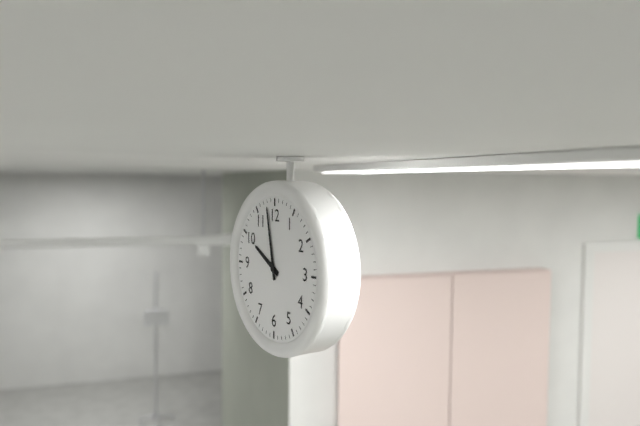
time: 9:58
